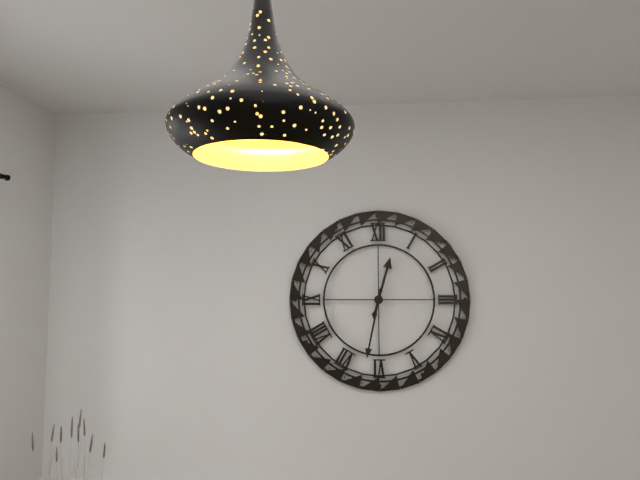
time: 12:32
